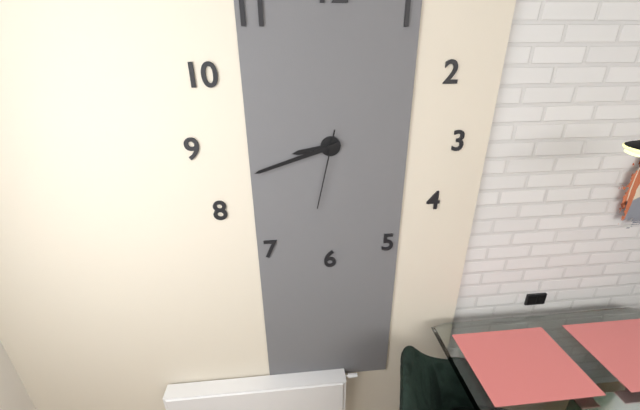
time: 8:42:32
